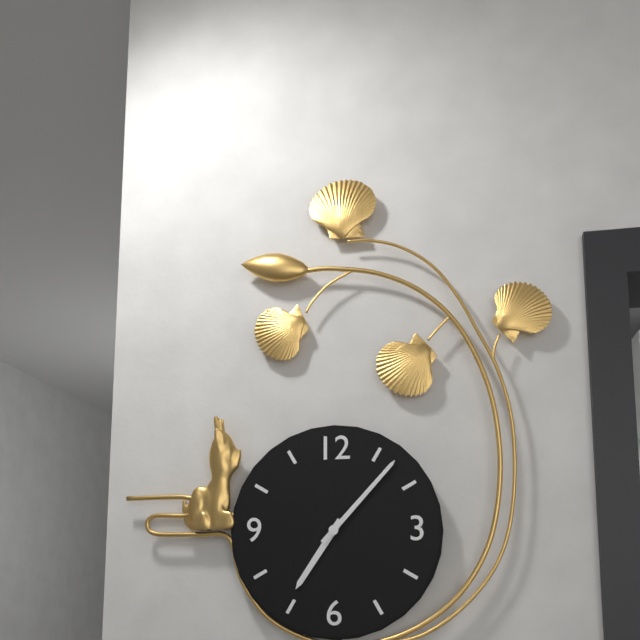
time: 7:07
